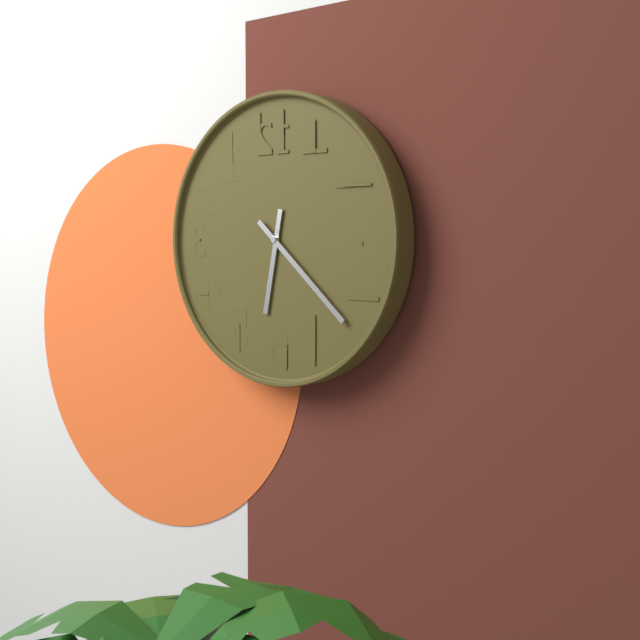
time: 6:22
